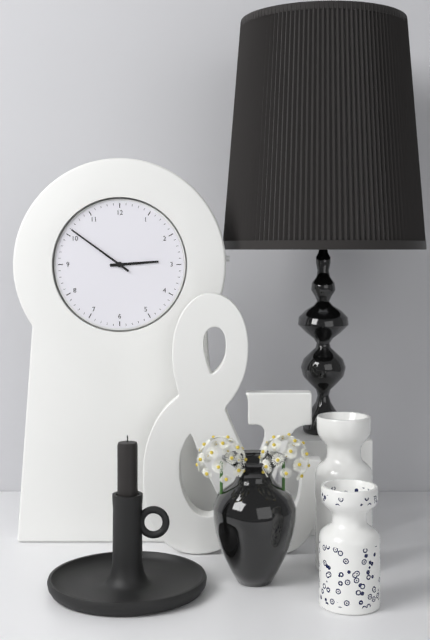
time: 2:51
